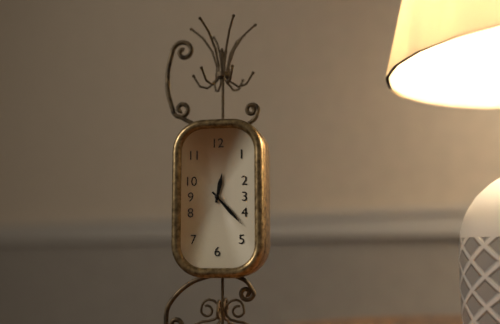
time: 12:23
